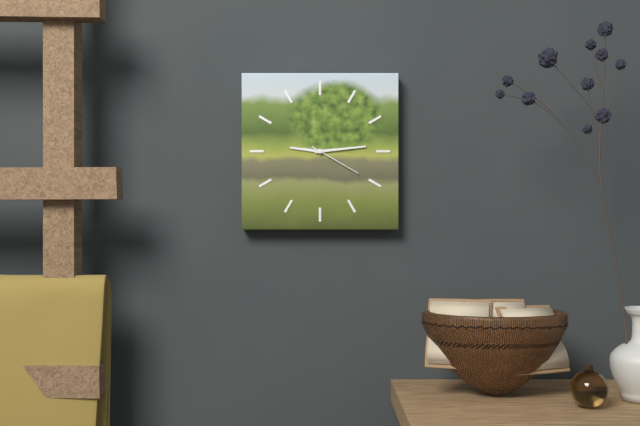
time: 9:14:20
